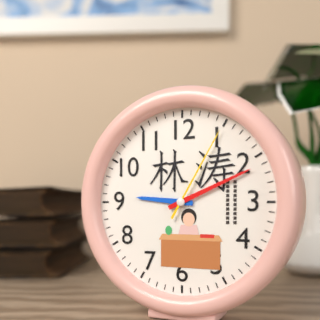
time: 9:11:05
